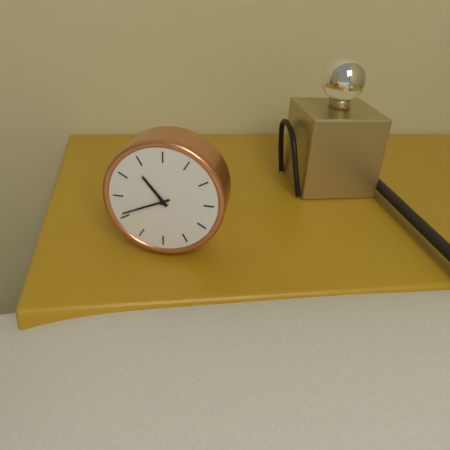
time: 10:41
